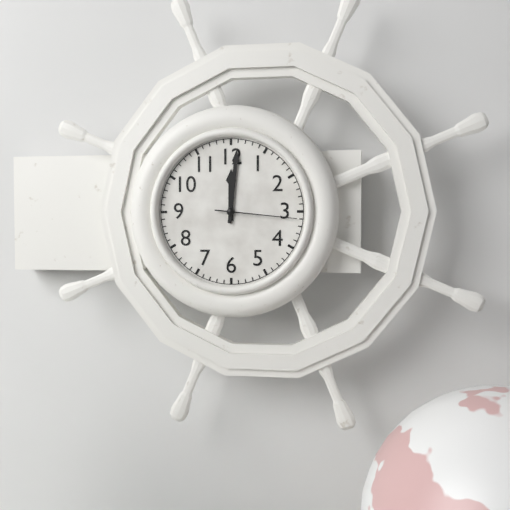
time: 12:01:16
